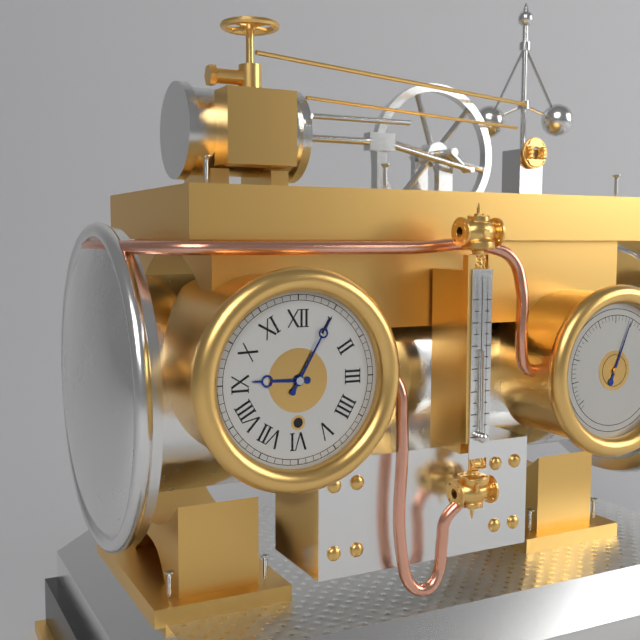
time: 9:05
